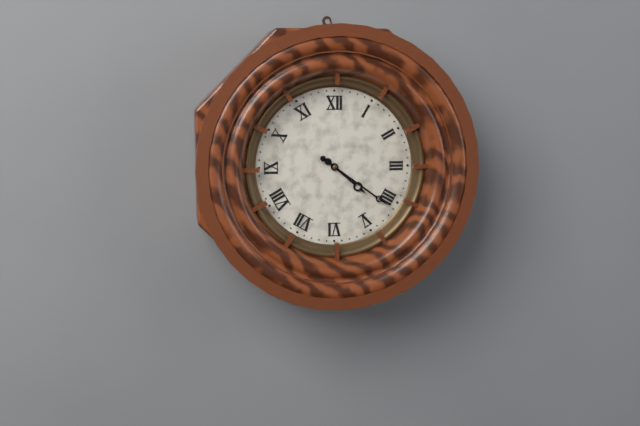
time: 4:21
